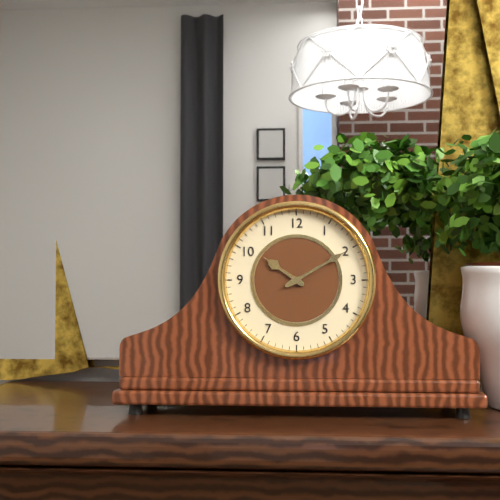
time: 10:10
